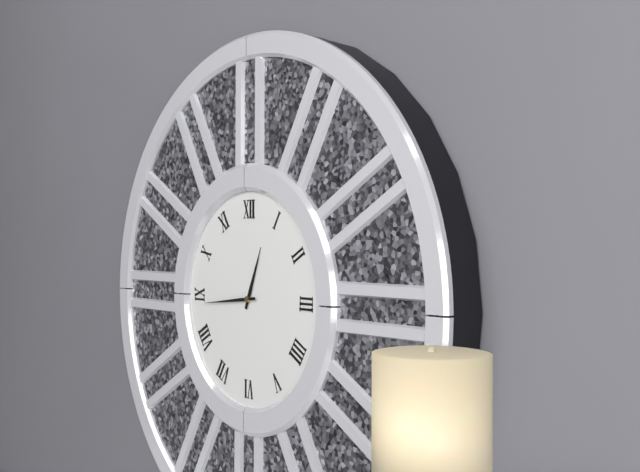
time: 12:44
